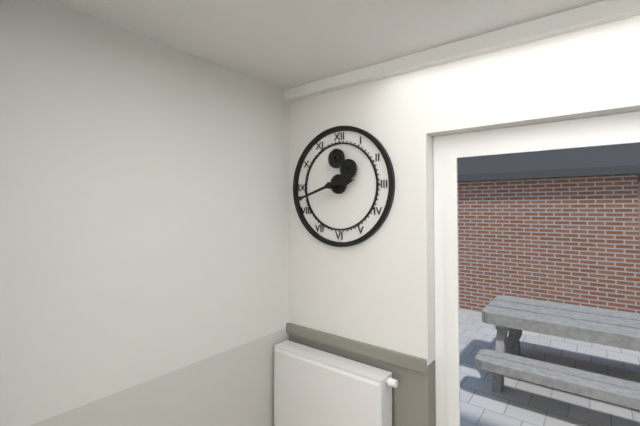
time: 2:42
